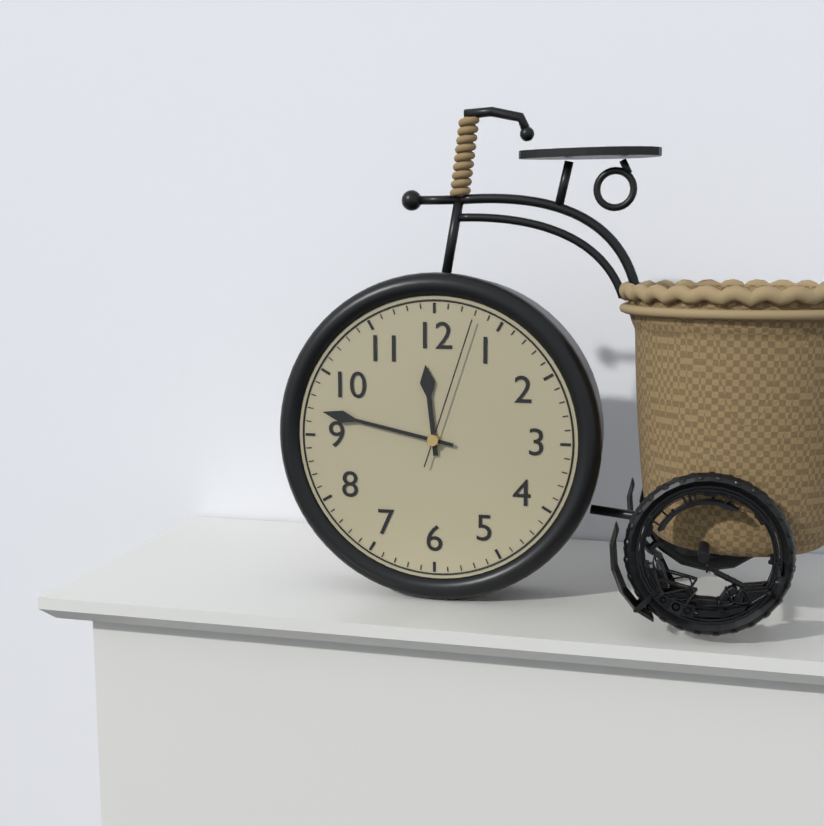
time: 11:47:03
